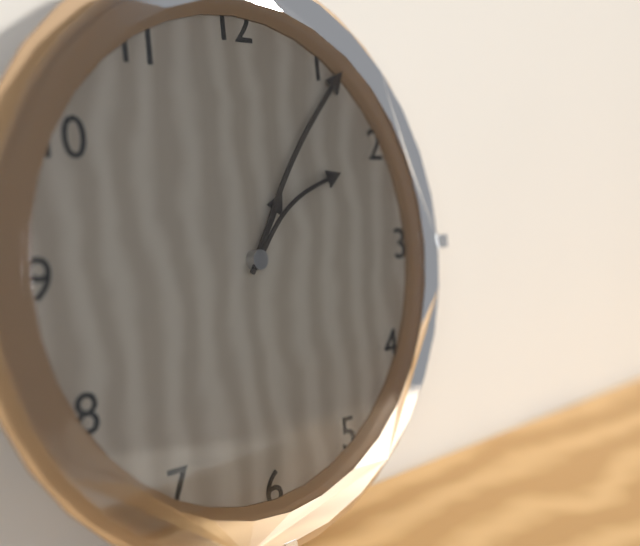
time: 1:06:09
